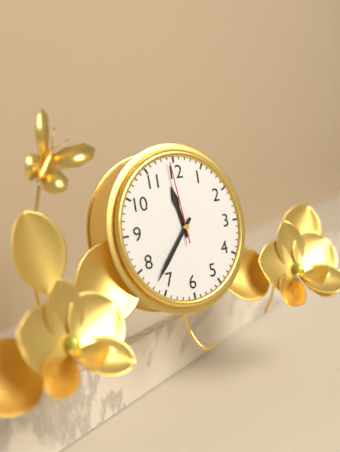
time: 11:37:59
